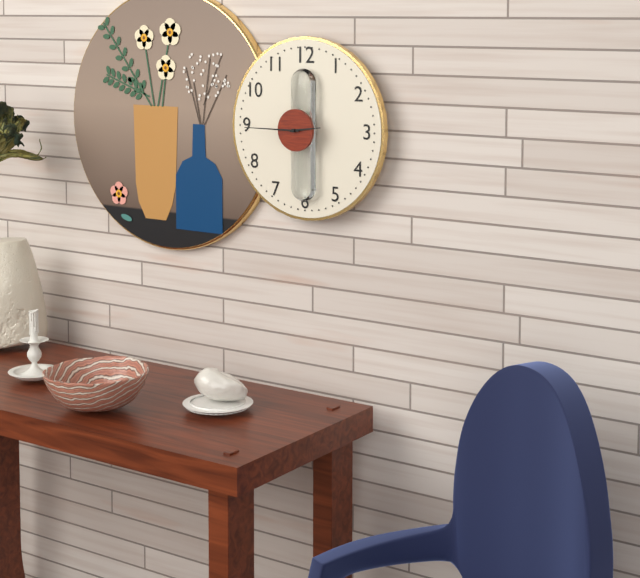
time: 2:45
